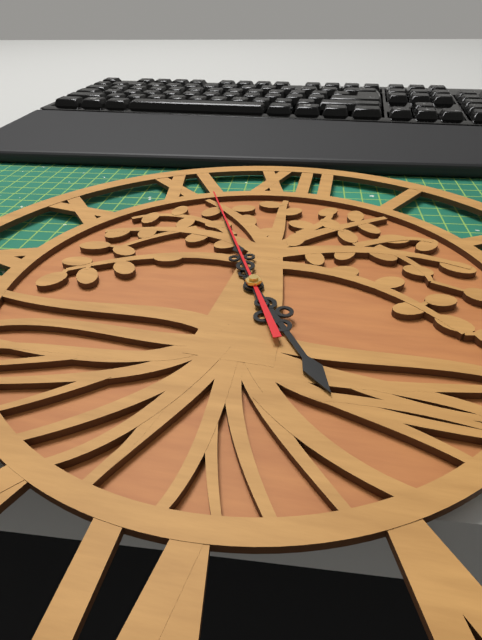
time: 4:56:56
